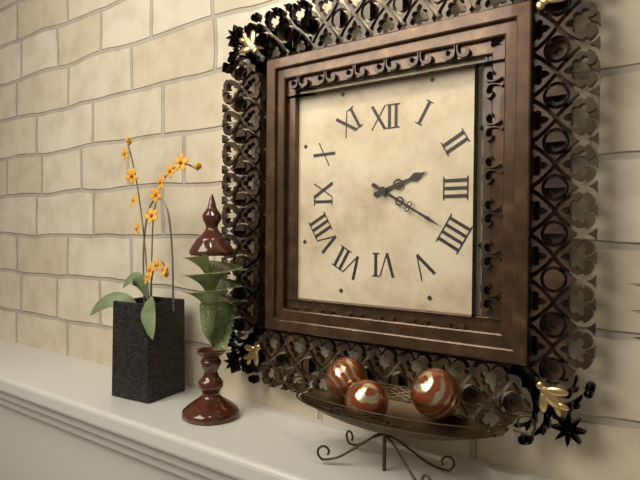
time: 2:20
